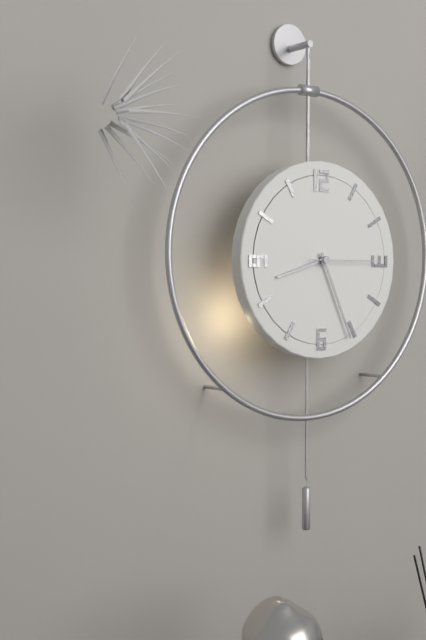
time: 8:26:15
